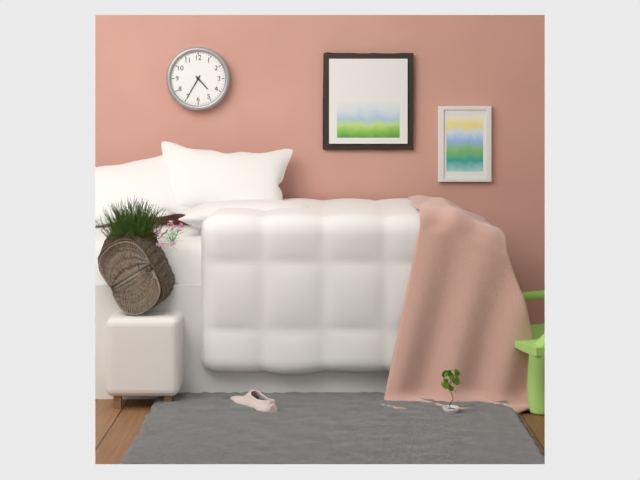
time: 4:35
